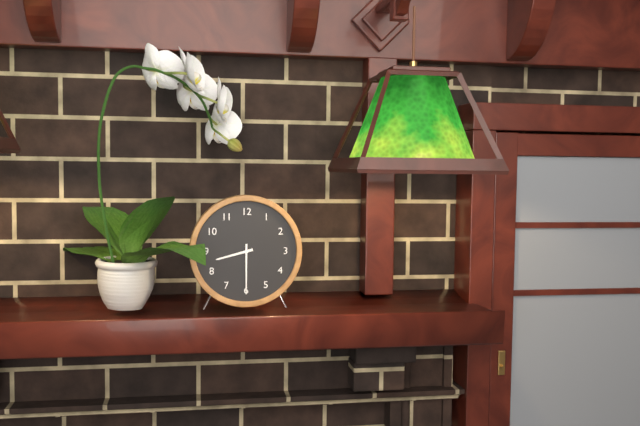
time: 8:30
